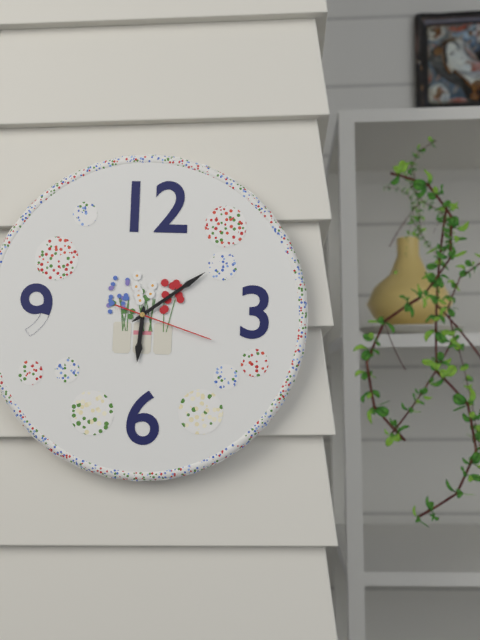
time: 6:09:18
